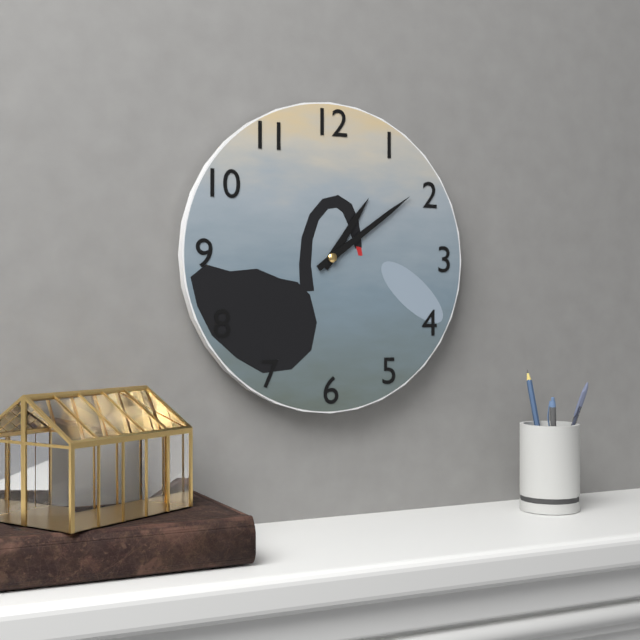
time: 1:09
